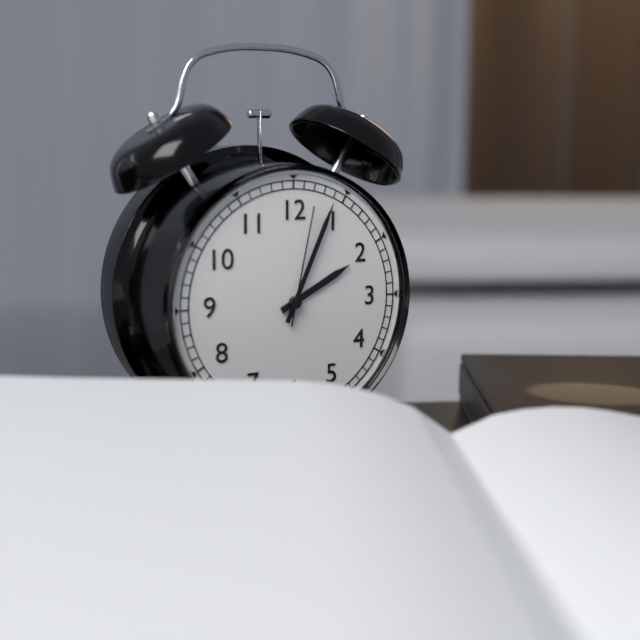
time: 2:04:02
